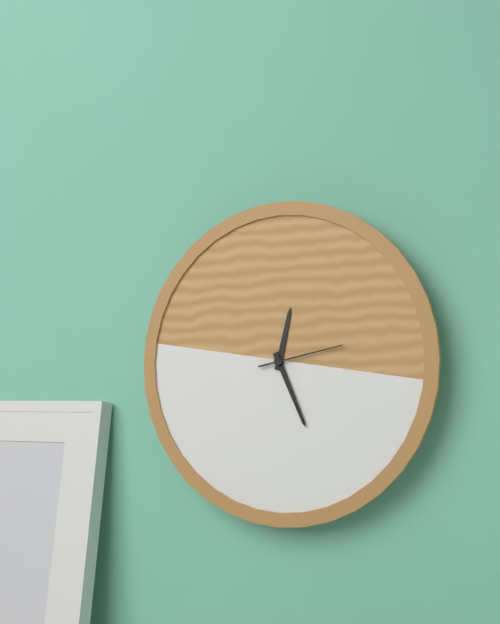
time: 12:26:13
